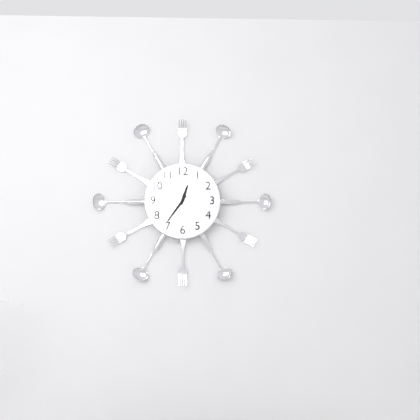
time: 12:36
